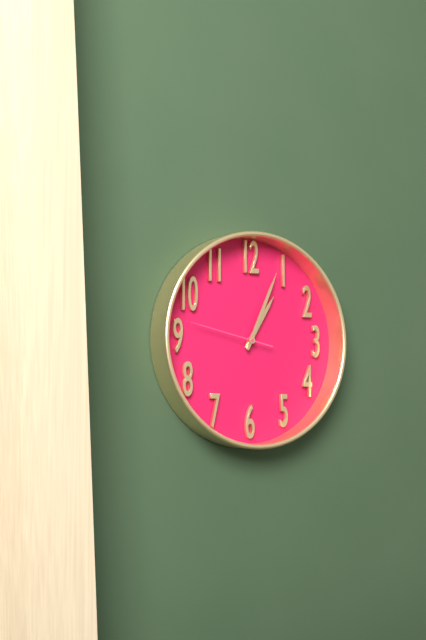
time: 1:04:47
